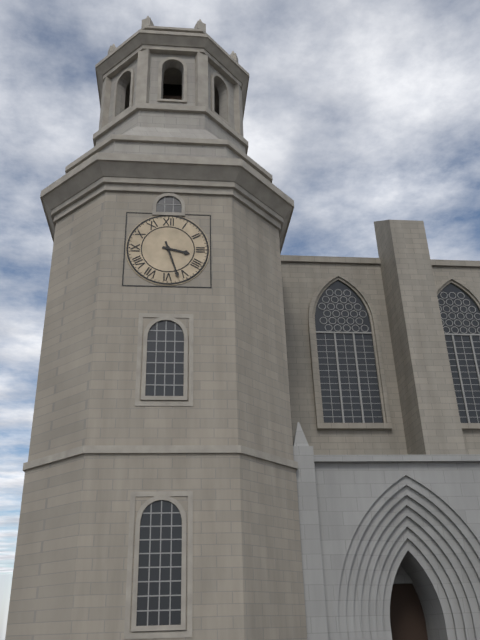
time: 3:27
